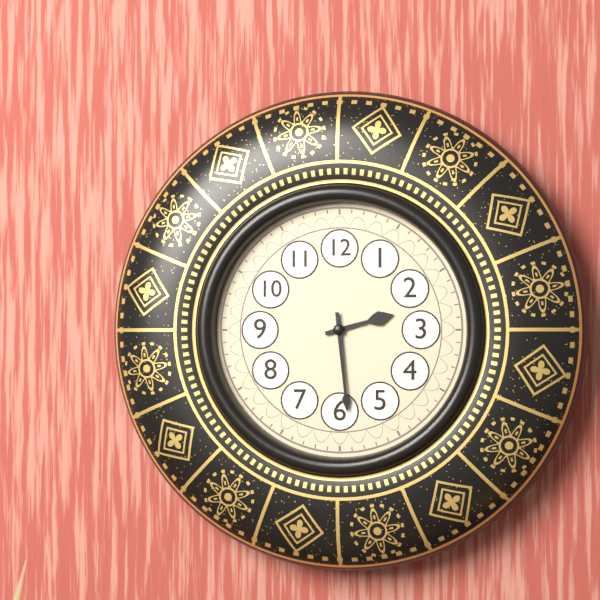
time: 2:29
